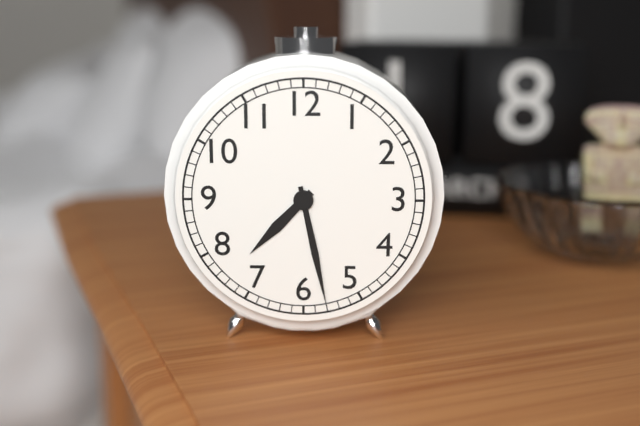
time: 7:28
